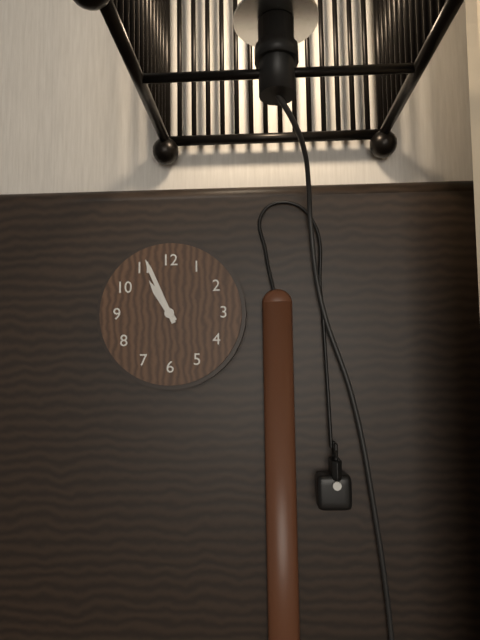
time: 10:56
